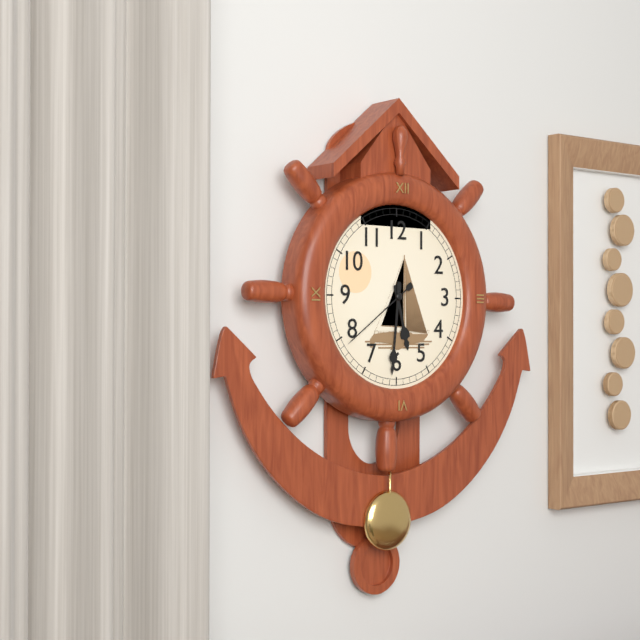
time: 5:31:39
